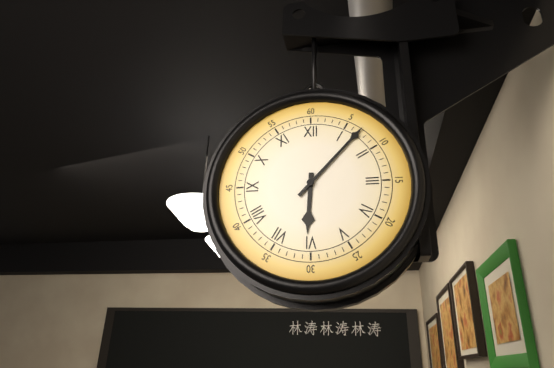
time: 6:07
